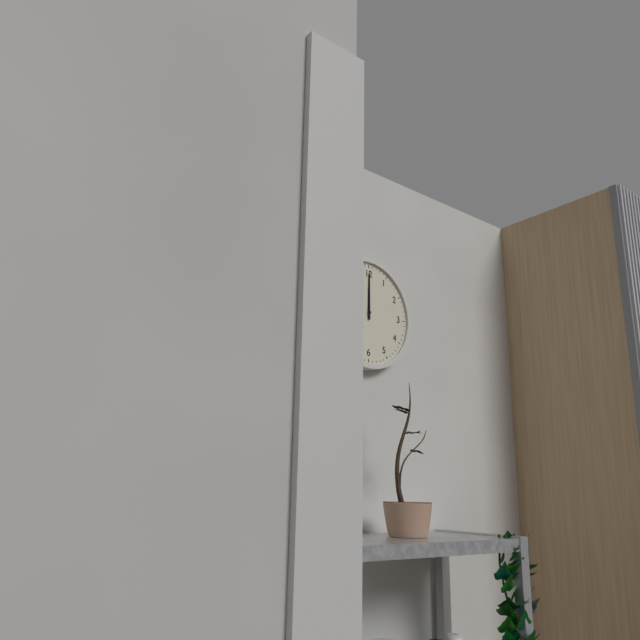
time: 12:00
